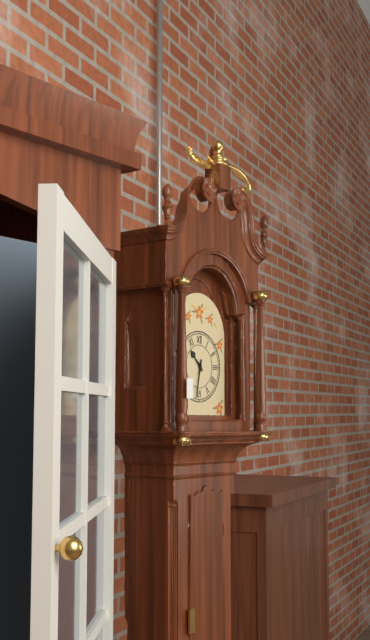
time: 10:32
